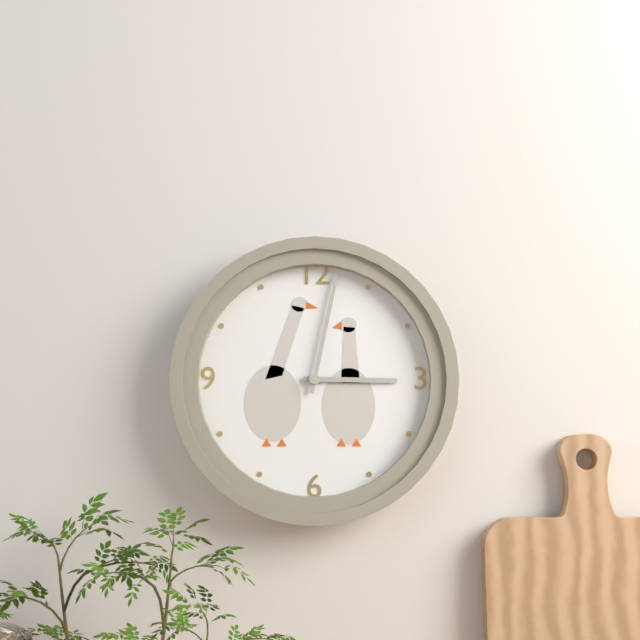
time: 3:02
